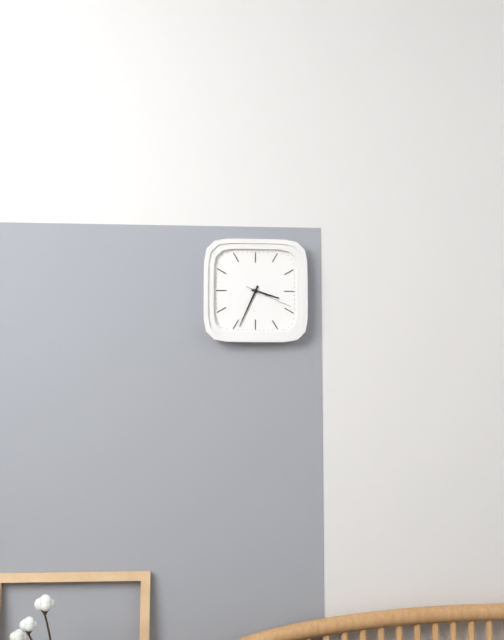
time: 3:34
